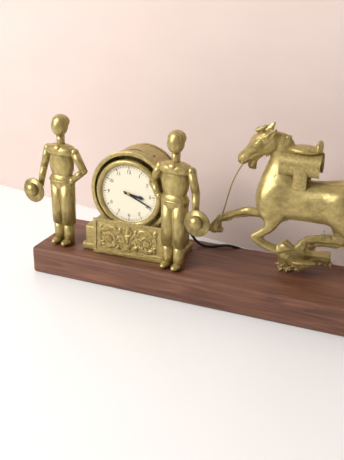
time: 3:19
